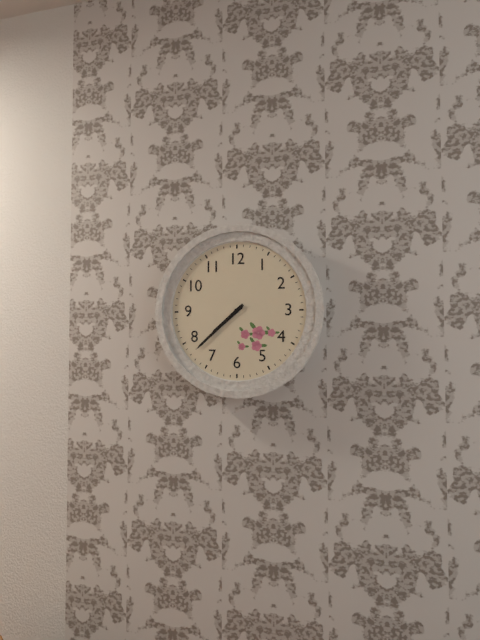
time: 7:38
